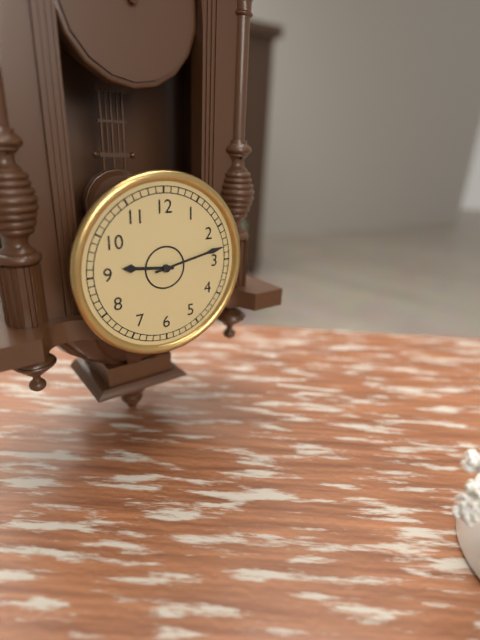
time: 9:13
